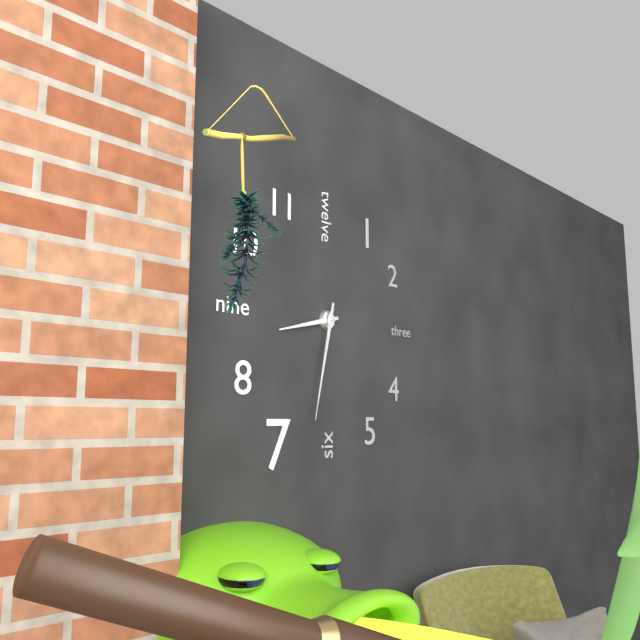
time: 8:32
